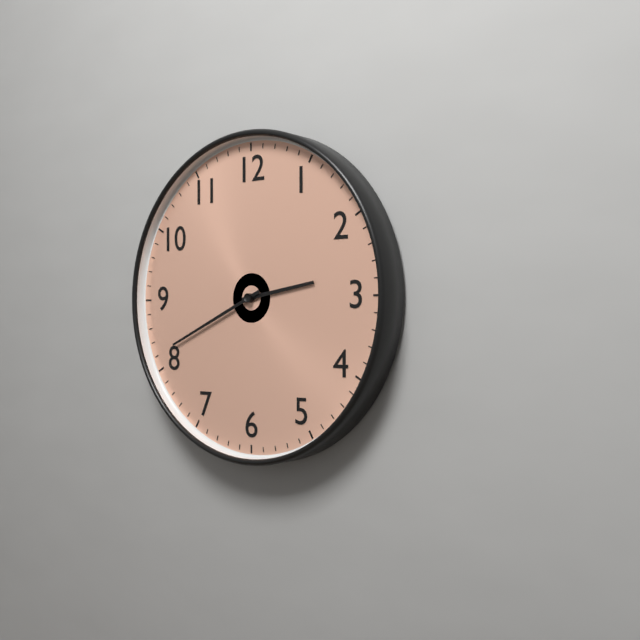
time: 2:41
